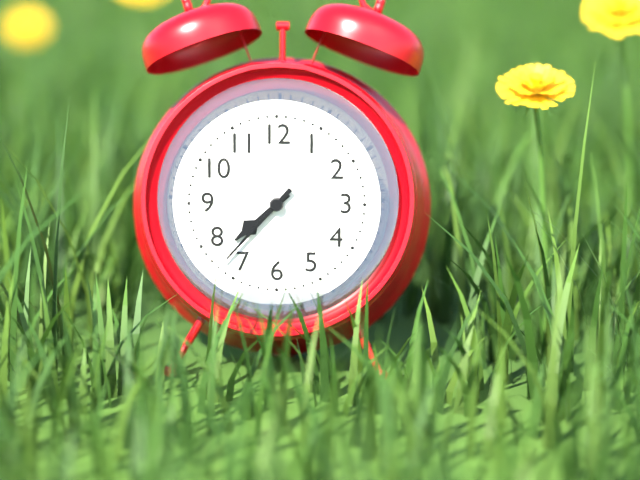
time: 7:37
